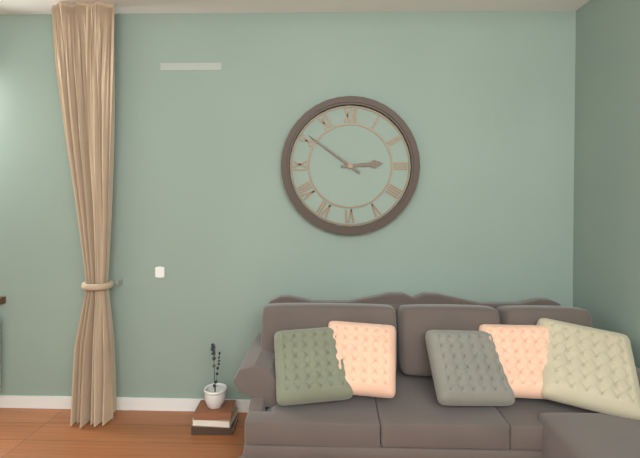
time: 2:51
